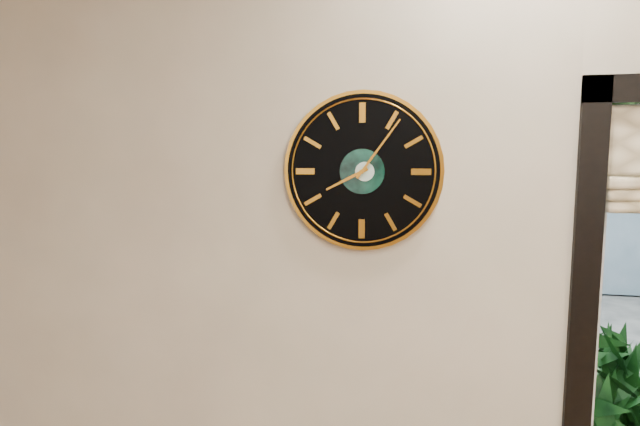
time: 8:06
